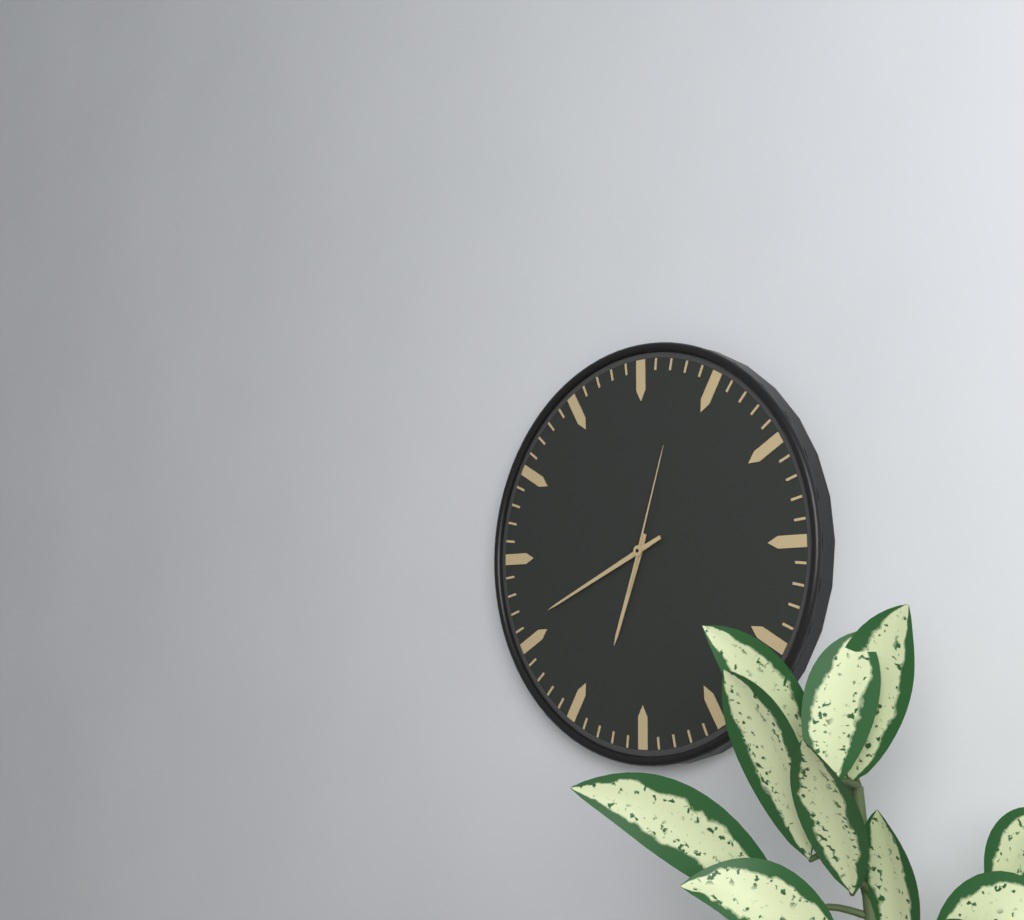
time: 6:41:03
